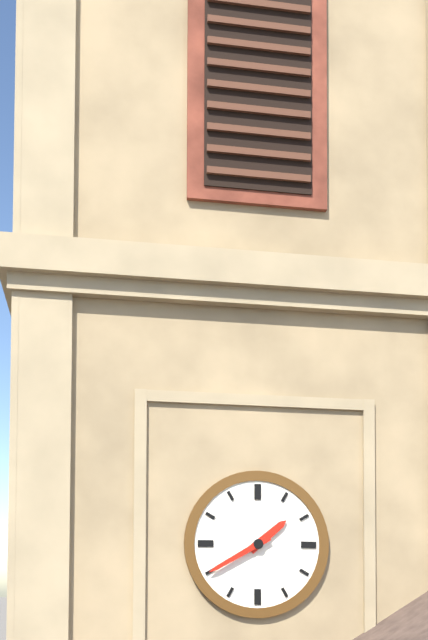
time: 1:40
